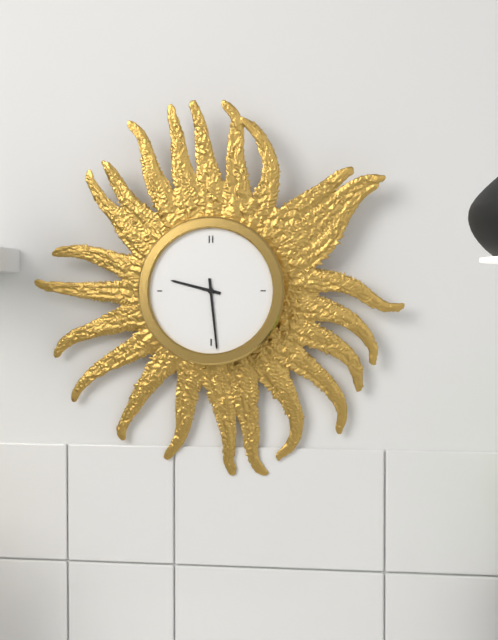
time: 9:29
